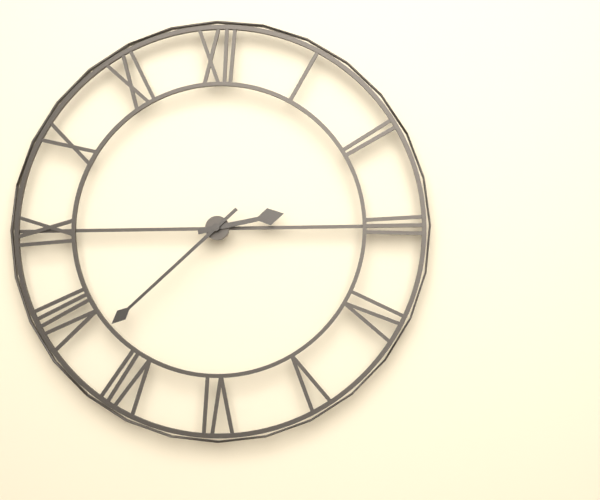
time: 2:38
